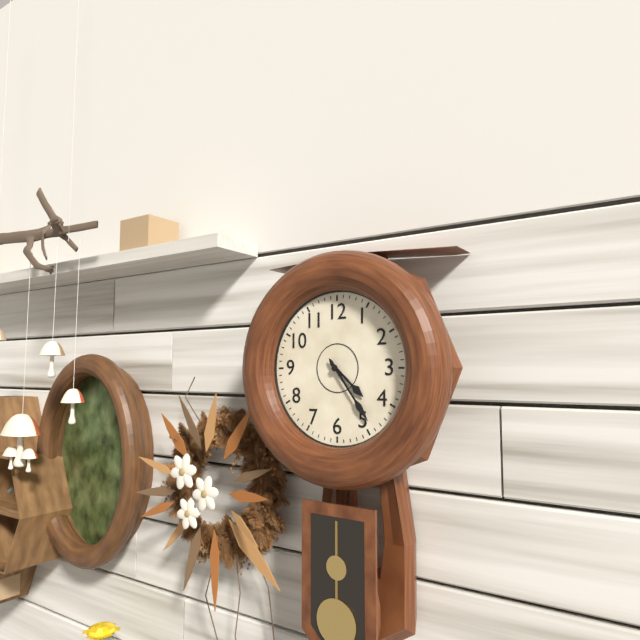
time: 4:24
